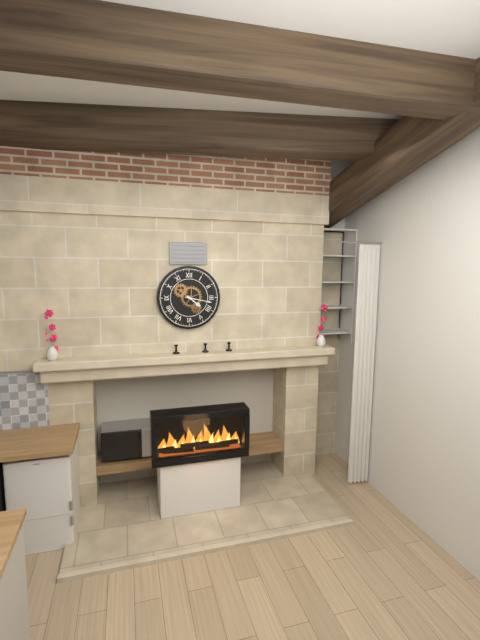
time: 4:17
